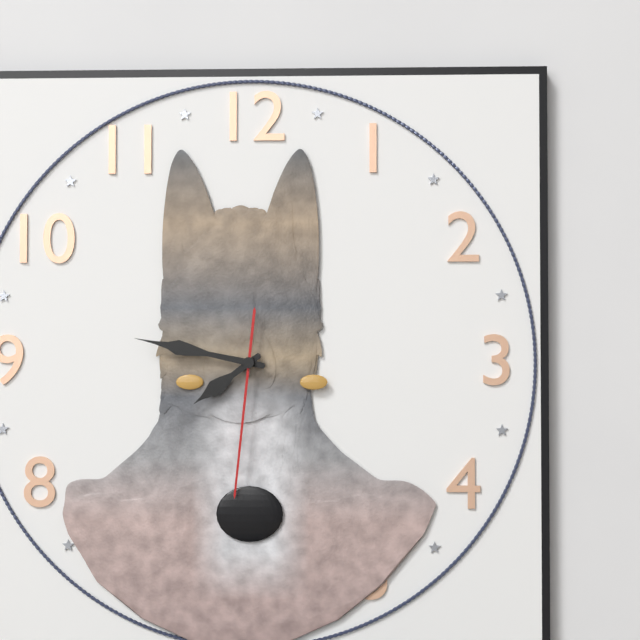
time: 7:47:31
